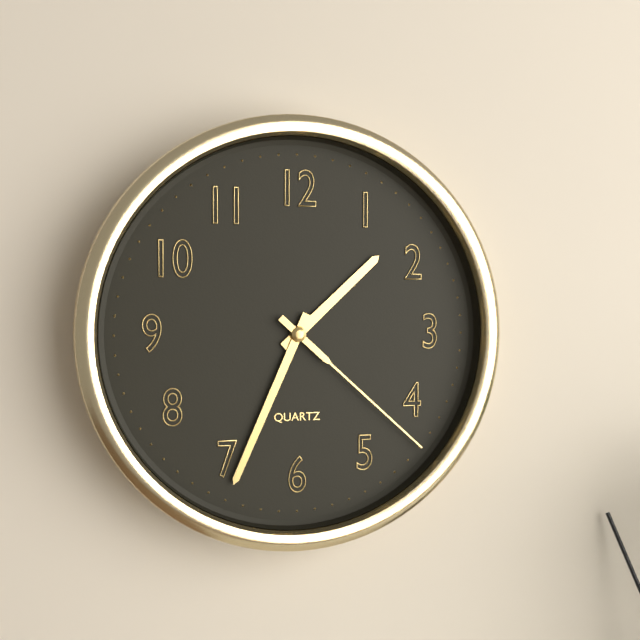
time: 1:34:22
